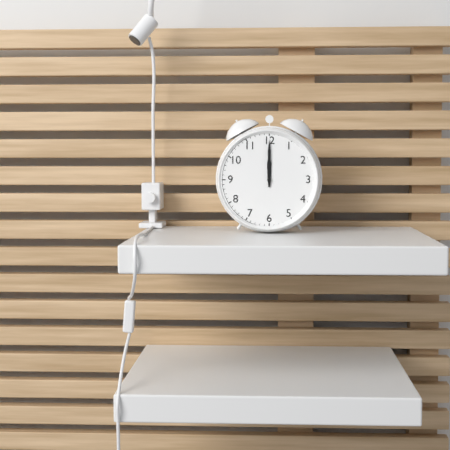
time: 12:00
